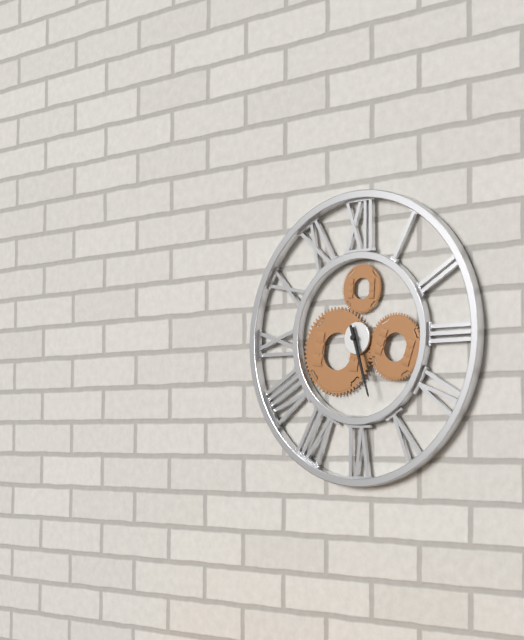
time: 5:27
